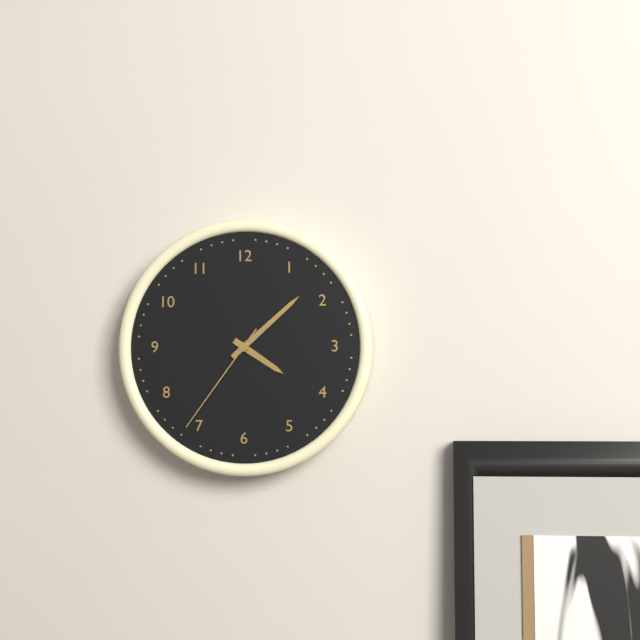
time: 4:08:36
